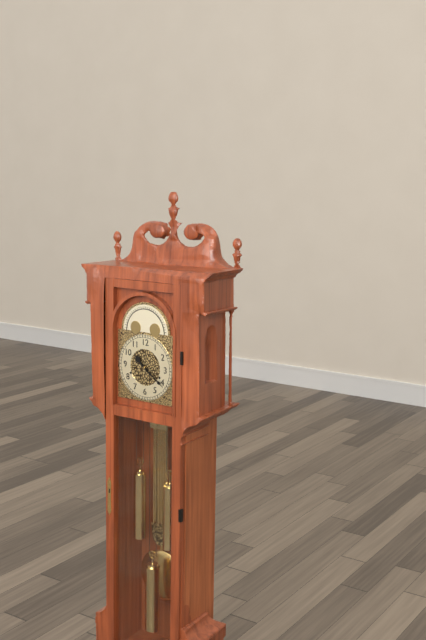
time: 10:21
